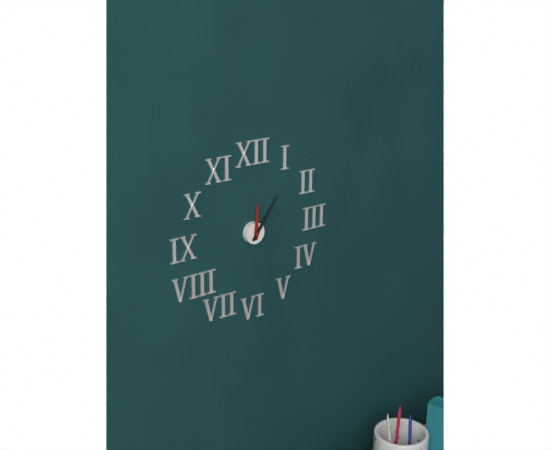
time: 12:06
